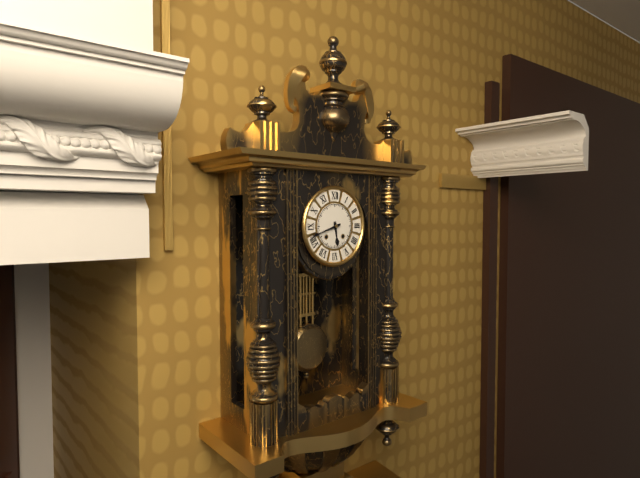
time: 5:42
